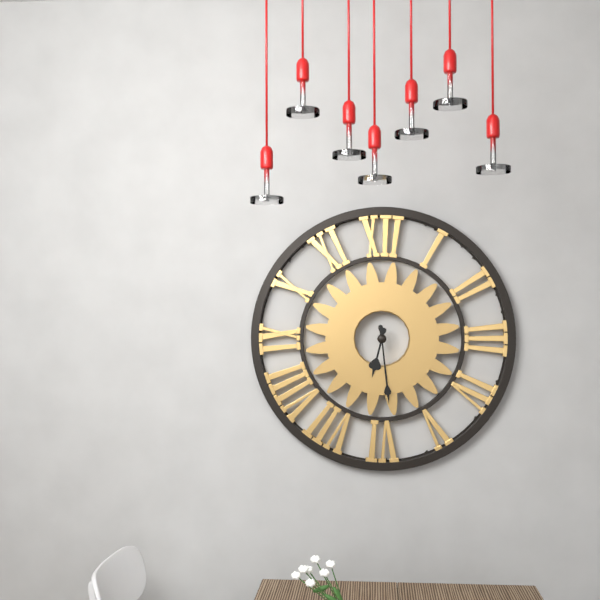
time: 6:29
